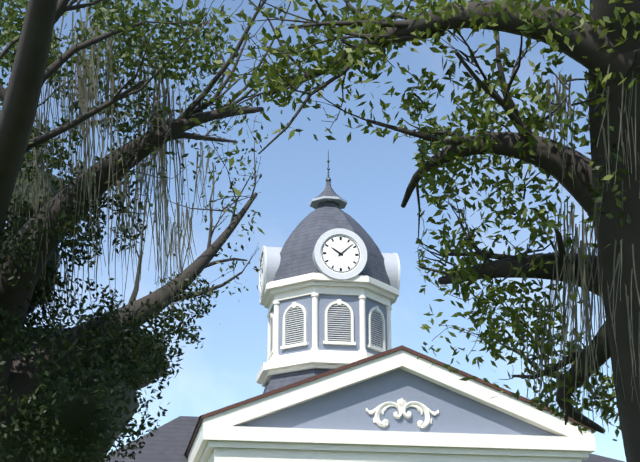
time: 10:08
